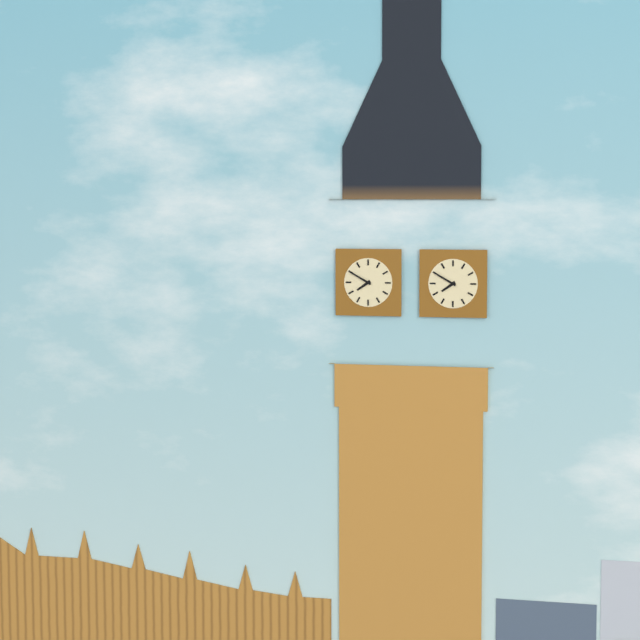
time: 7:50
